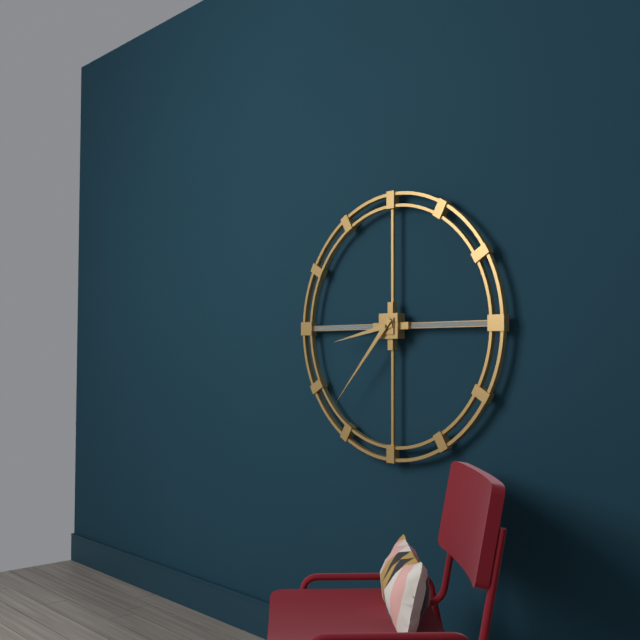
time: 8:37
